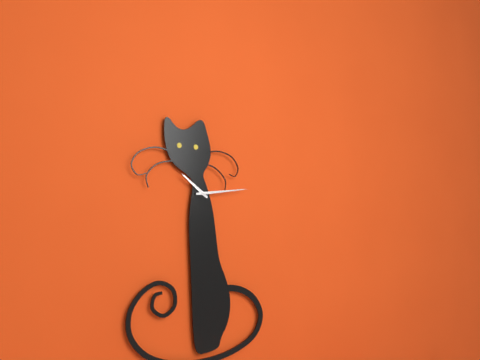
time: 10:14
